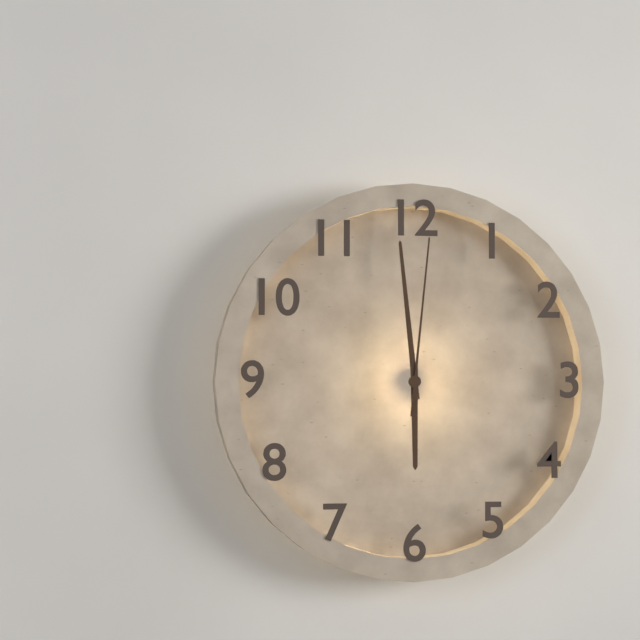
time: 5:59:01
